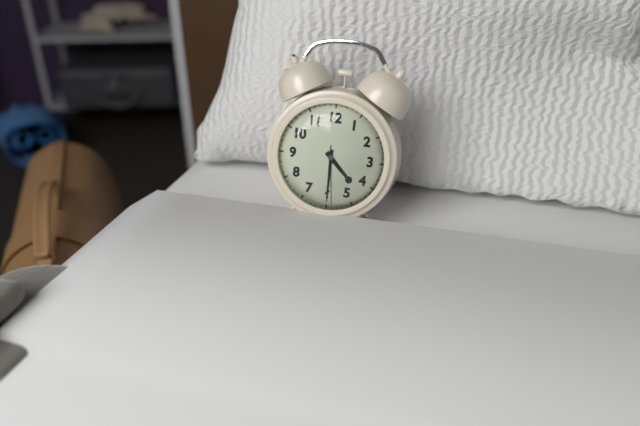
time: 4:30:29
